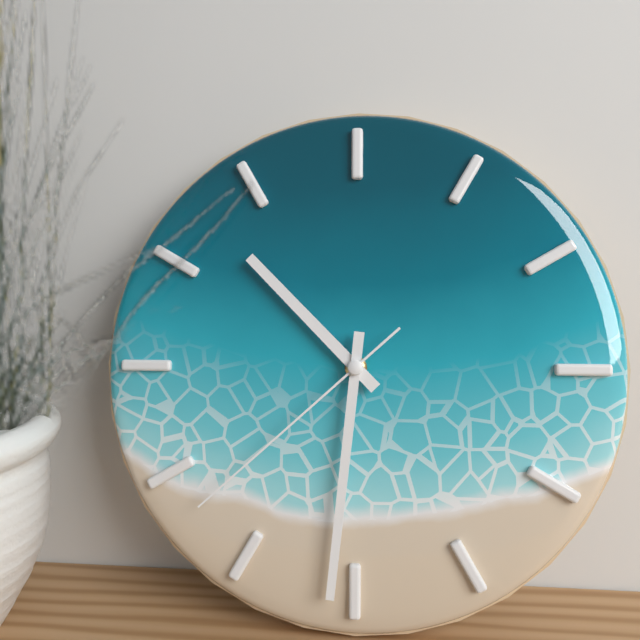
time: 10:31:38
